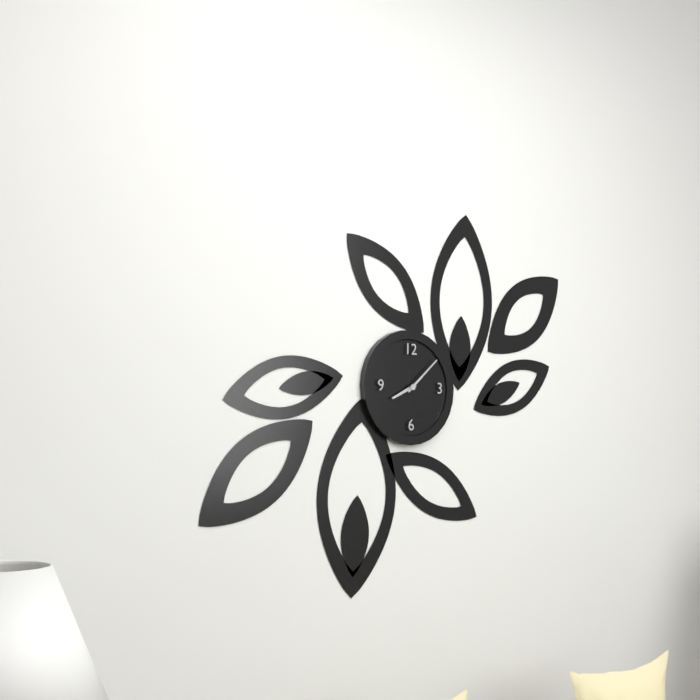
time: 8:08
